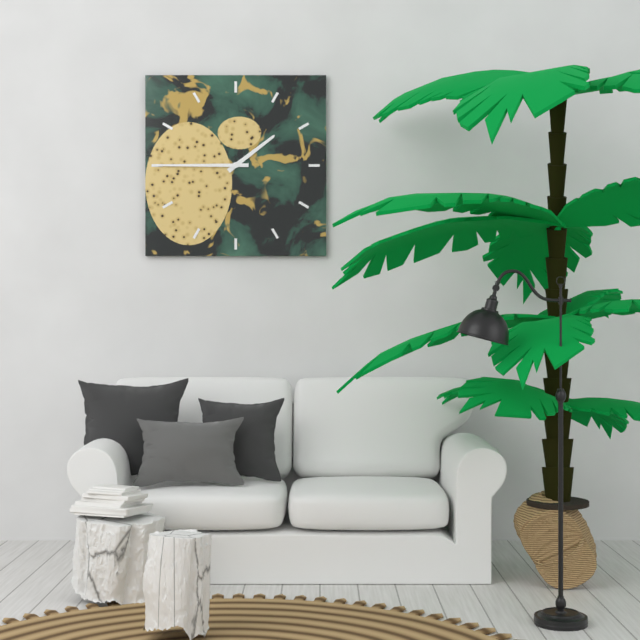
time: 1:45
